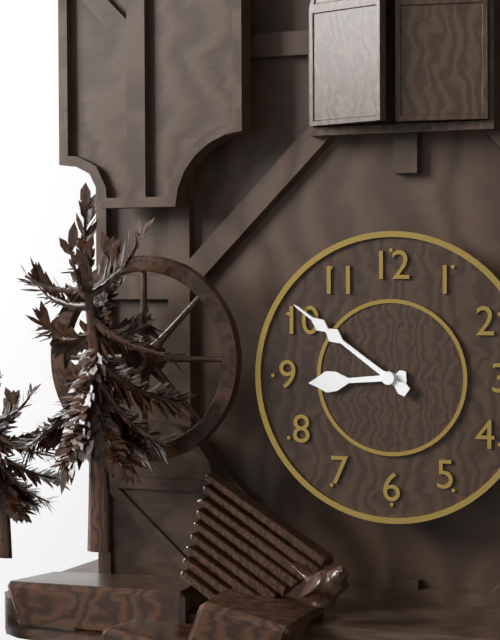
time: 8:51
